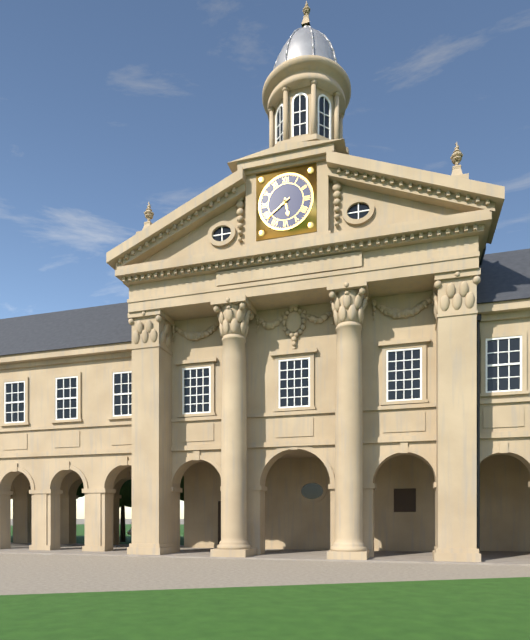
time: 5:39
